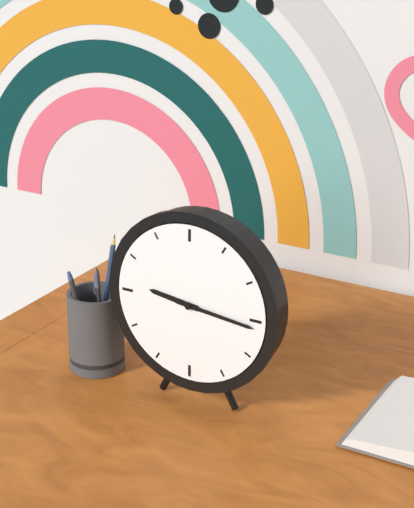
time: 9:16
